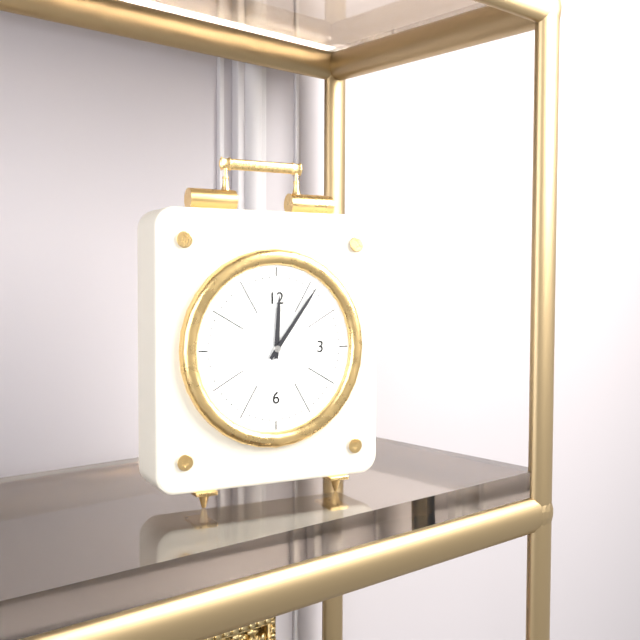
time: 12:06
